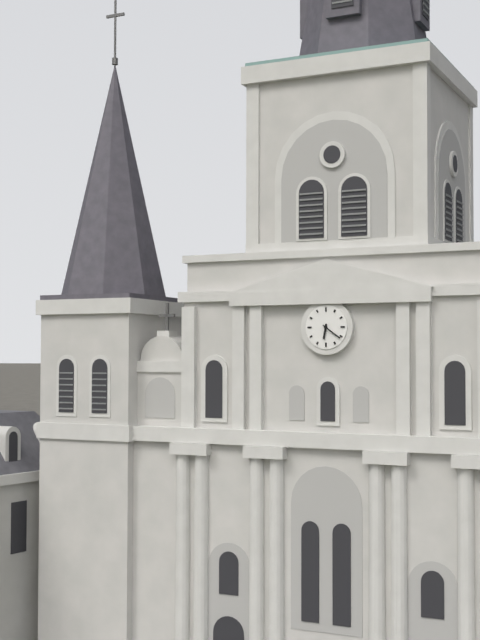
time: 6:21
